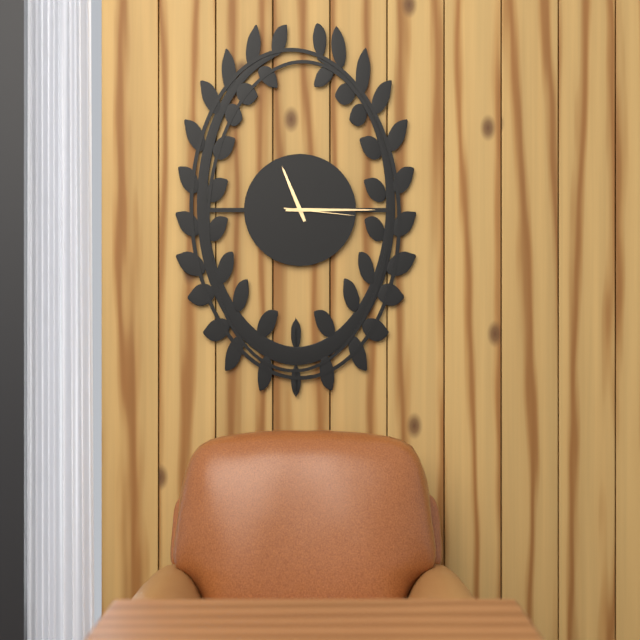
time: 11:15:16
